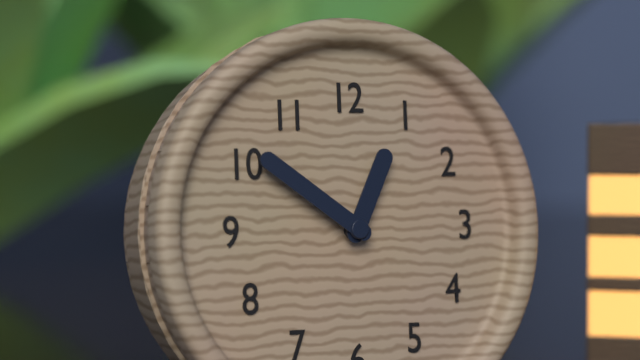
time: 12:51
